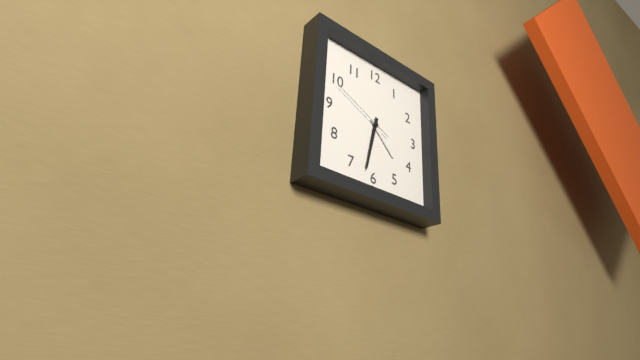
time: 4:32:49
